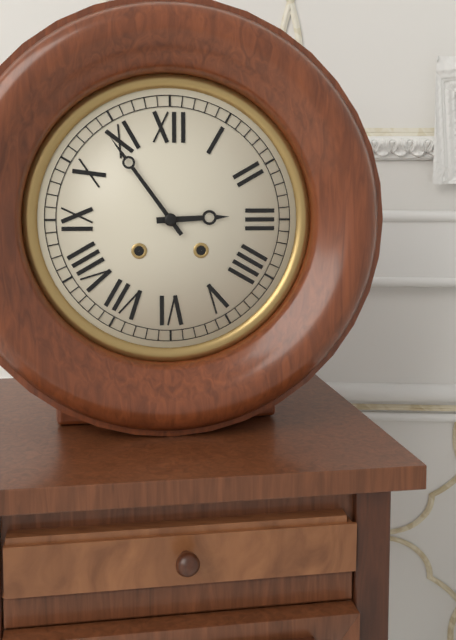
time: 2:54
